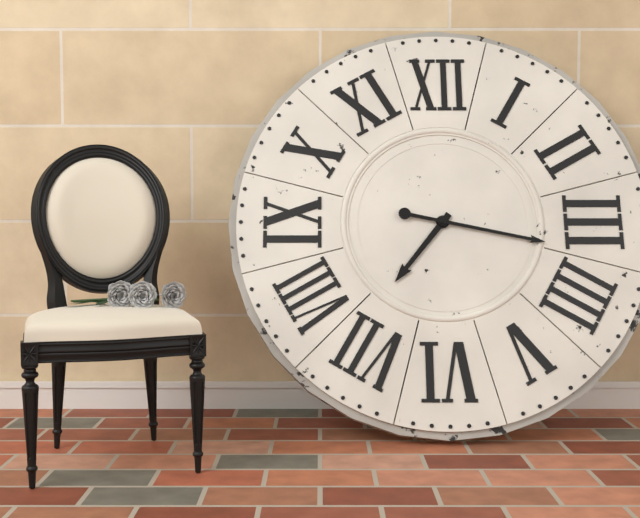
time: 7:17
